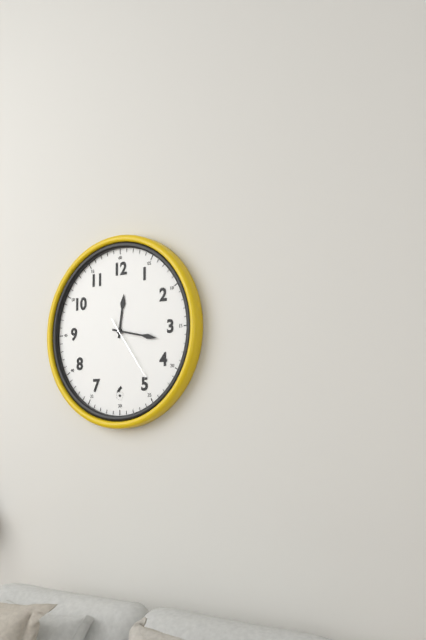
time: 12:17:24
